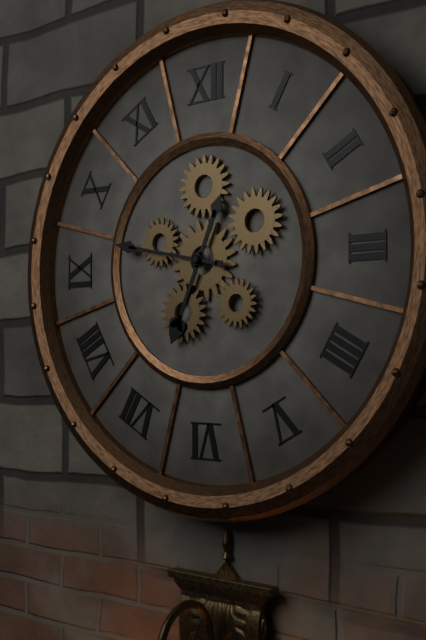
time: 6:47
